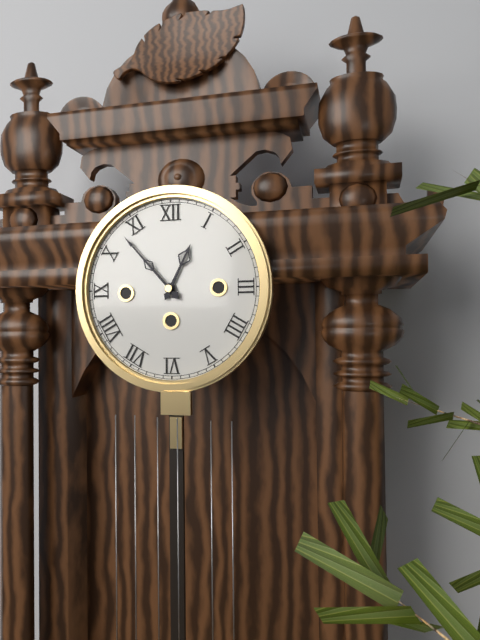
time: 12:53
